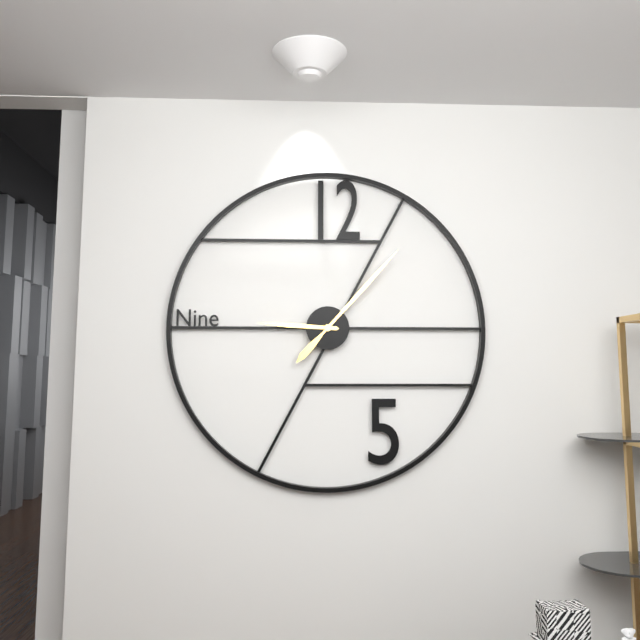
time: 9:07
